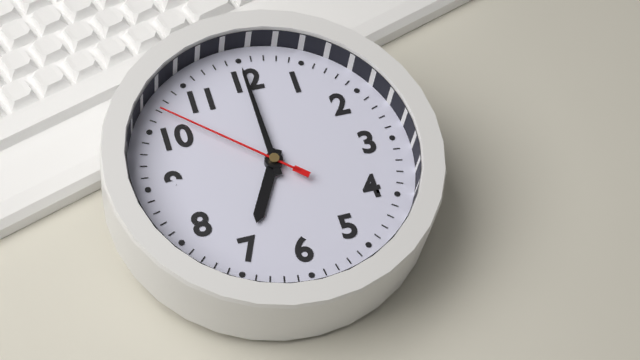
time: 7:00:52
